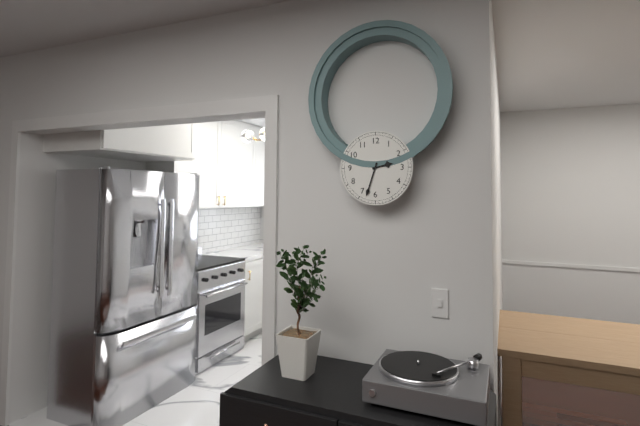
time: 2:33
